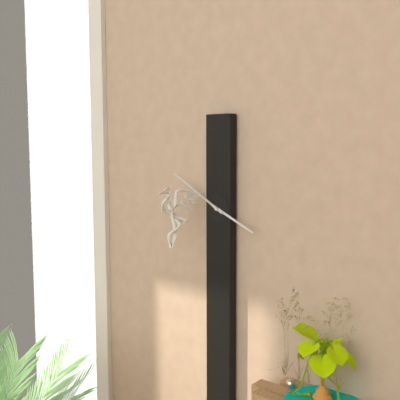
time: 3:50
